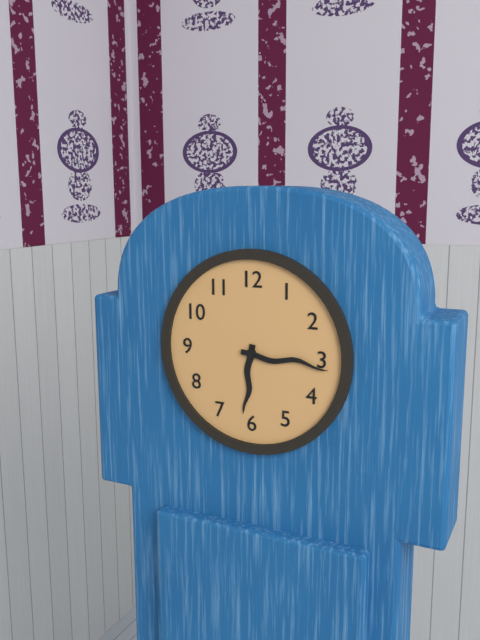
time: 6:16
